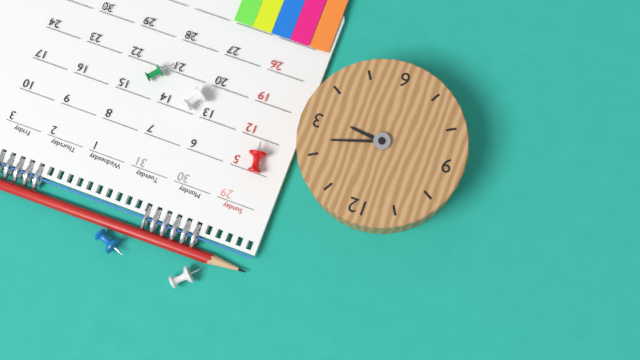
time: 3:12
